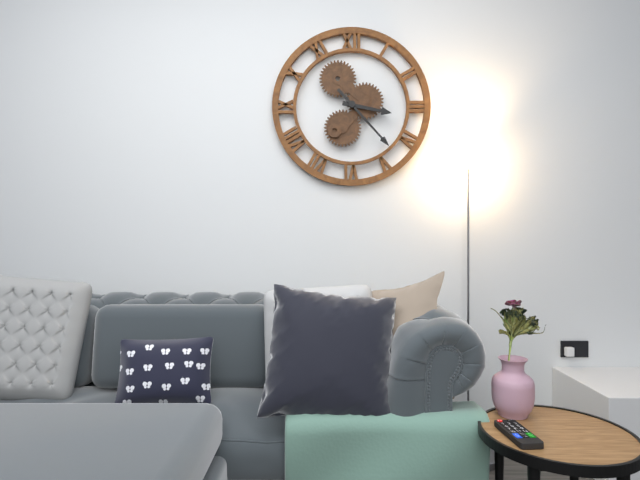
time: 3:23
